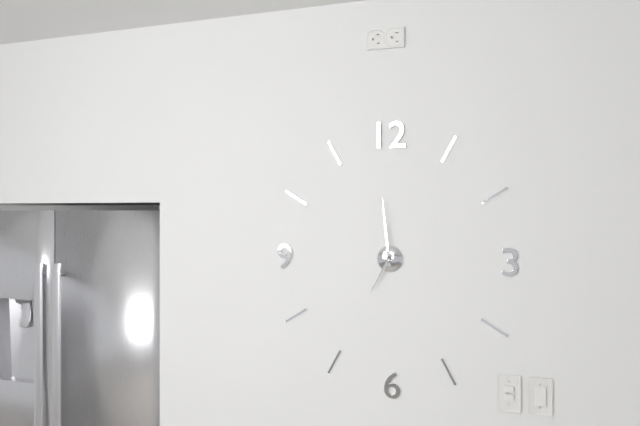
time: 6:59
